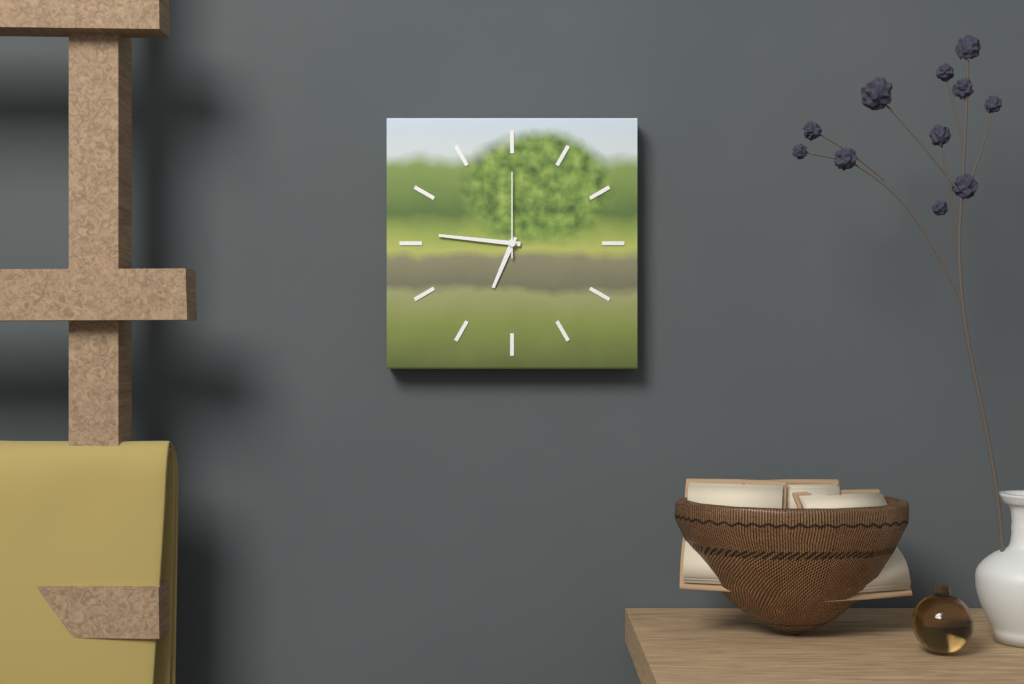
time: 6:46:00
